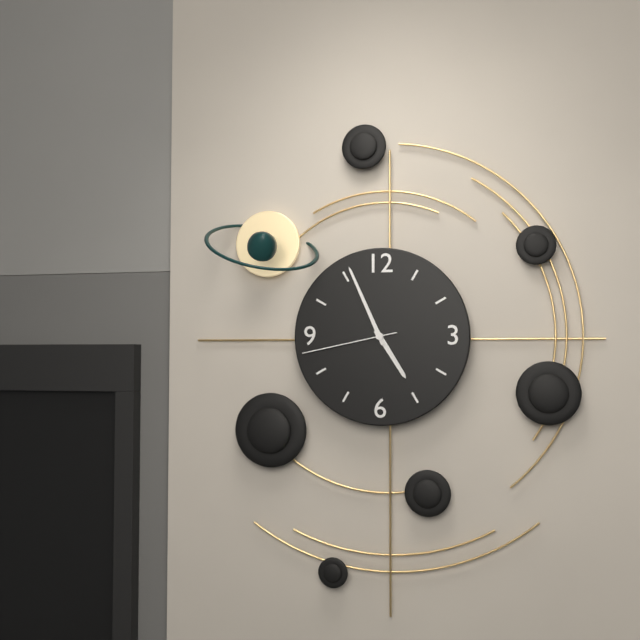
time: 4:56:43
